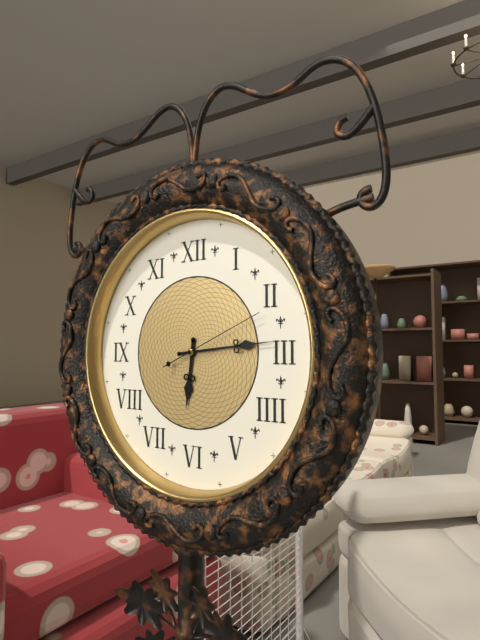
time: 6:14:11
